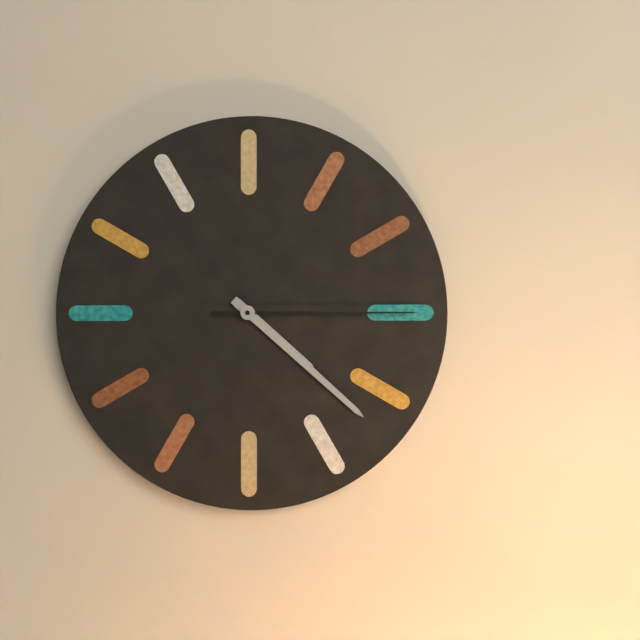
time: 4:22:15
